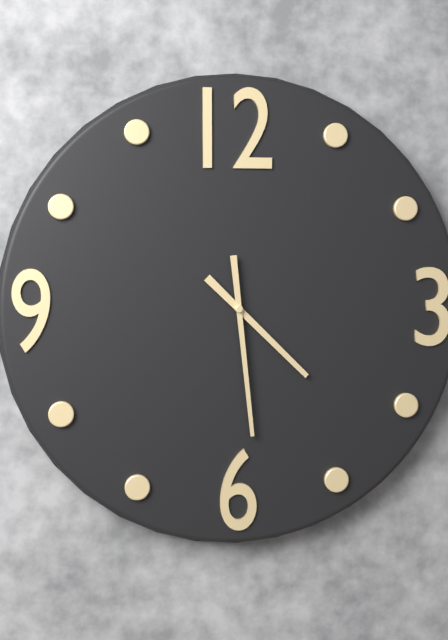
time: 4:29
